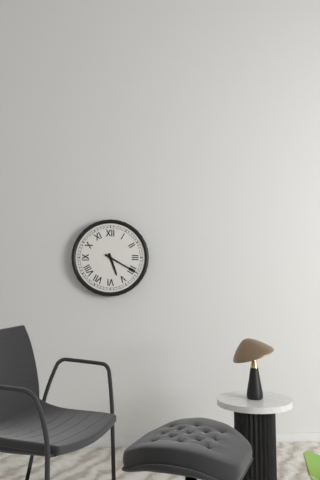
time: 5:20
